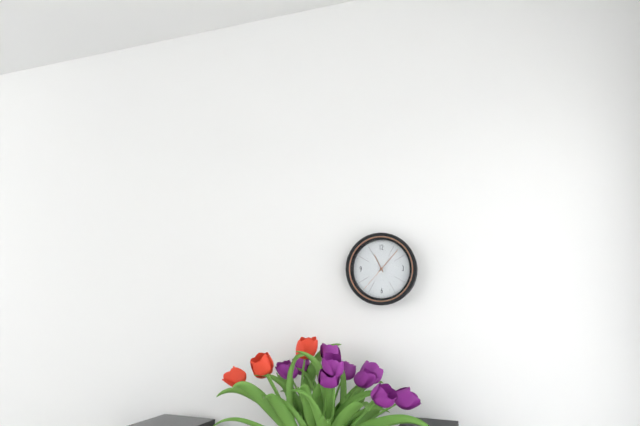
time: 11:07
